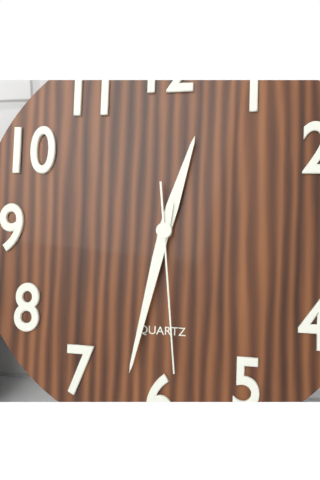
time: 12:32:29
